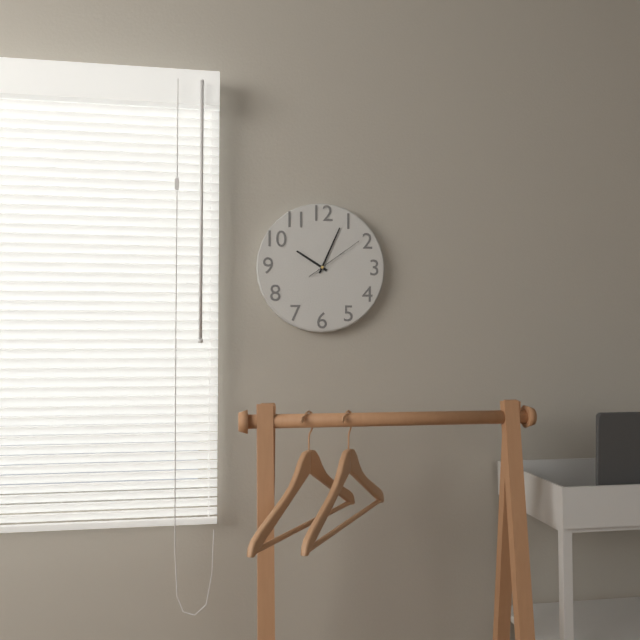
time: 10:04:09
